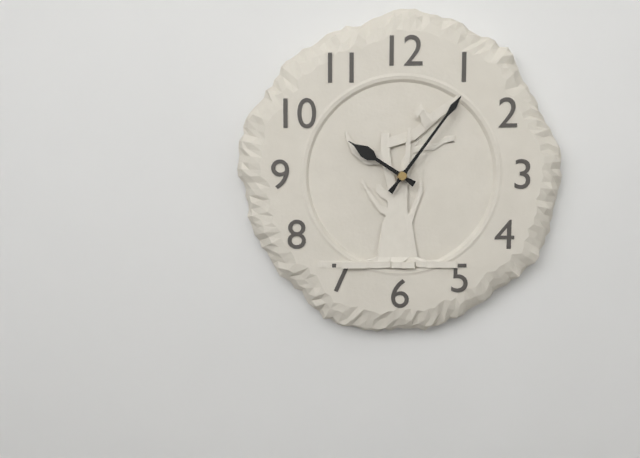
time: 10:06
